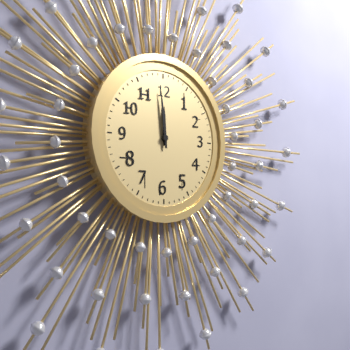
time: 11:59
